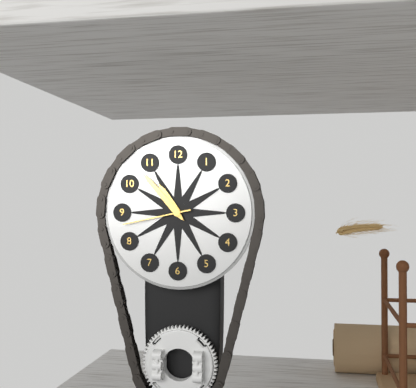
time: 10:53:43
